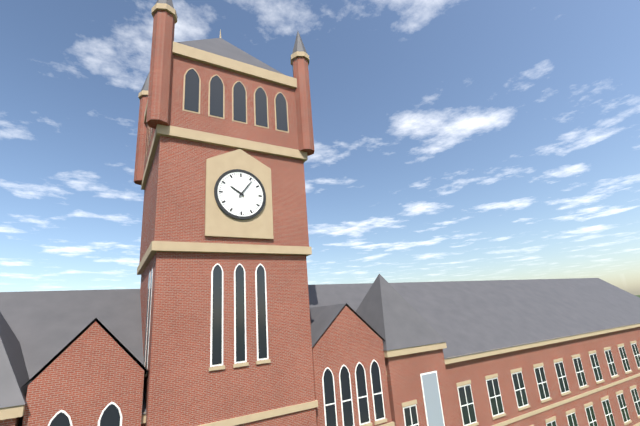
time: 10:06
